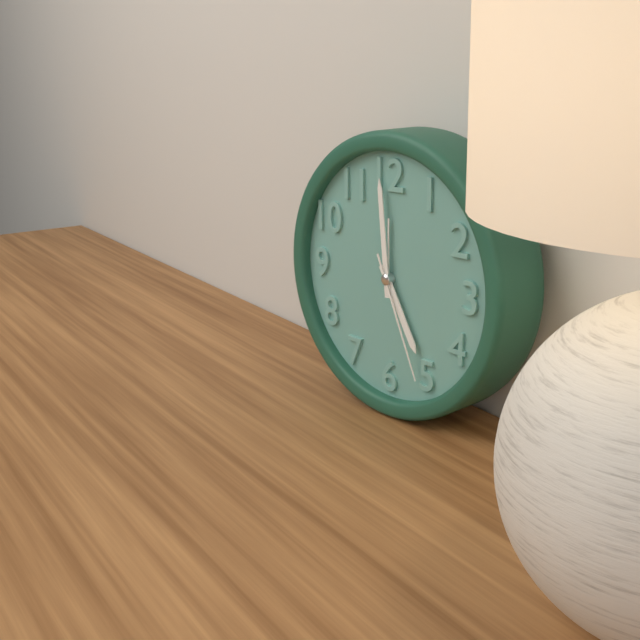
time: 4:59:26
